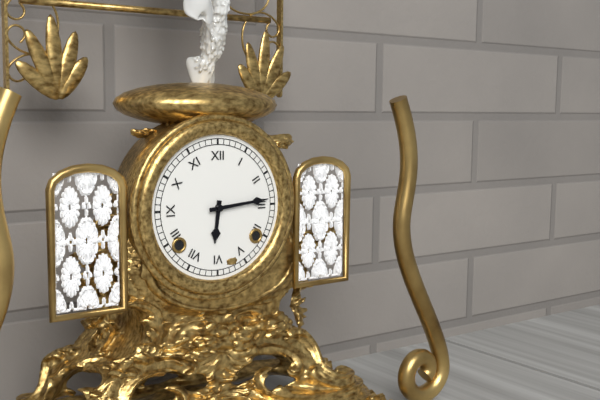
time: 6:14
